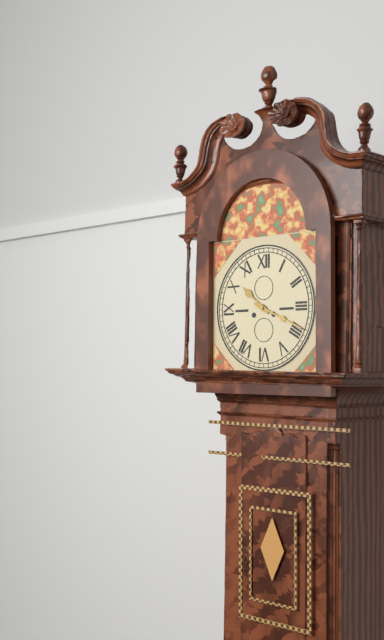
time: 10:19
